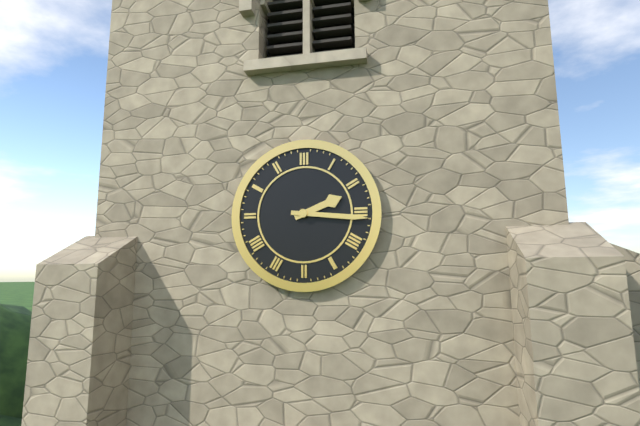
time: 2:16
